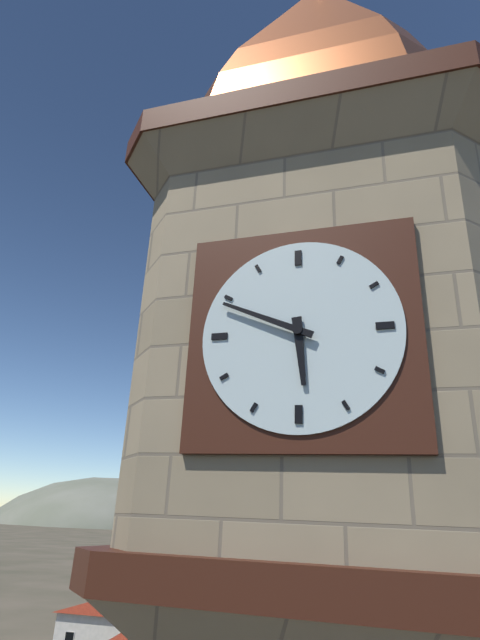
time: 5:49
